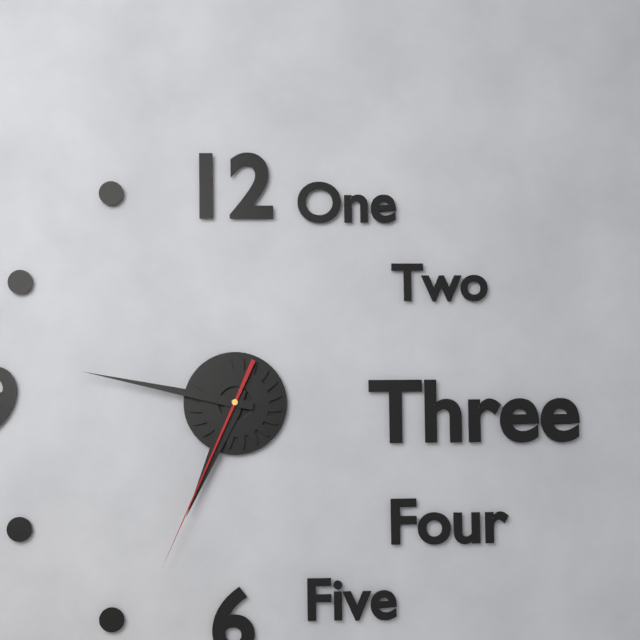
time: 6:47:34
